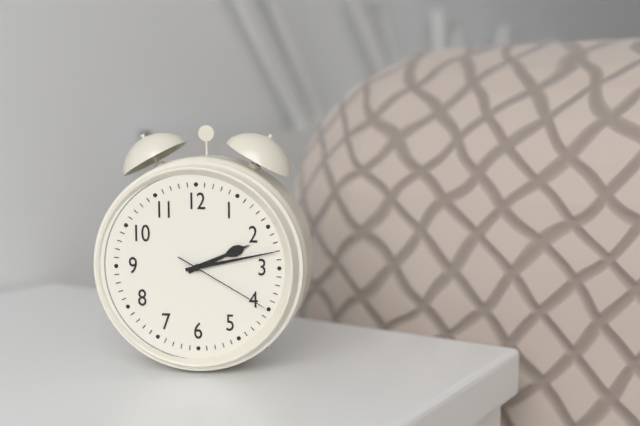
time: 2:13:20
